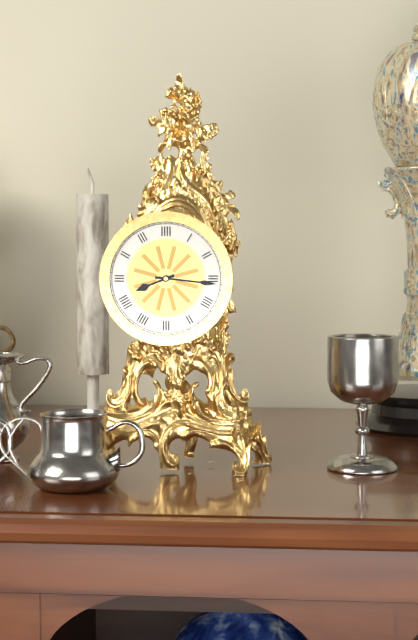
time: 8:16
